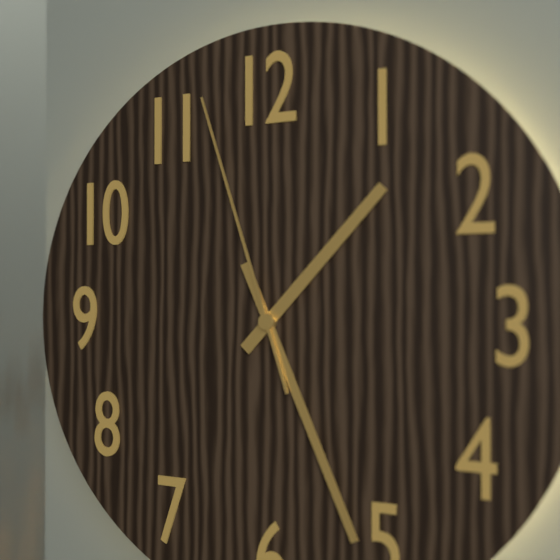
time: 1:26:57
